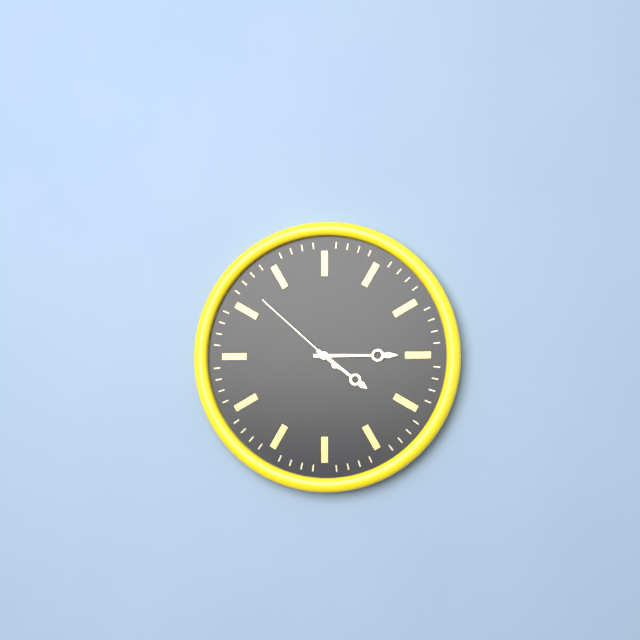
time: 4:15:52
